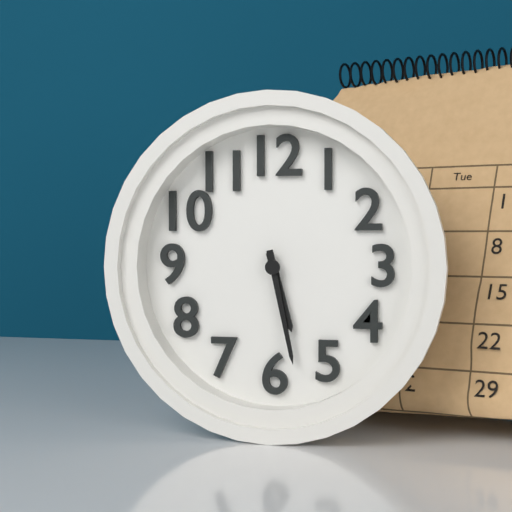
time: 5:28
